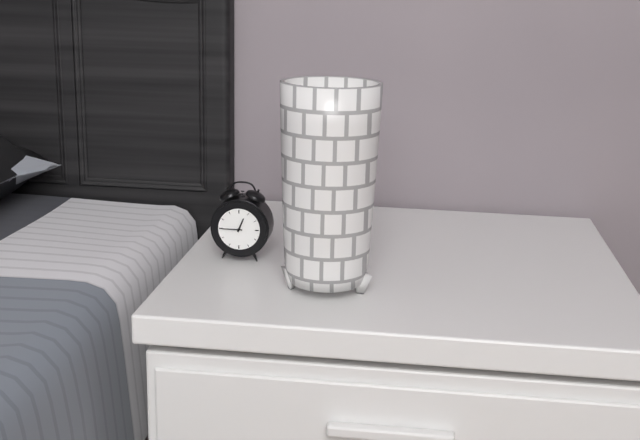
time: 12:45
